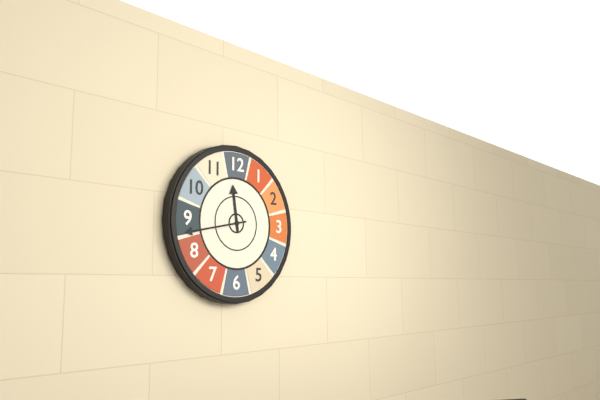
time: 11:43
